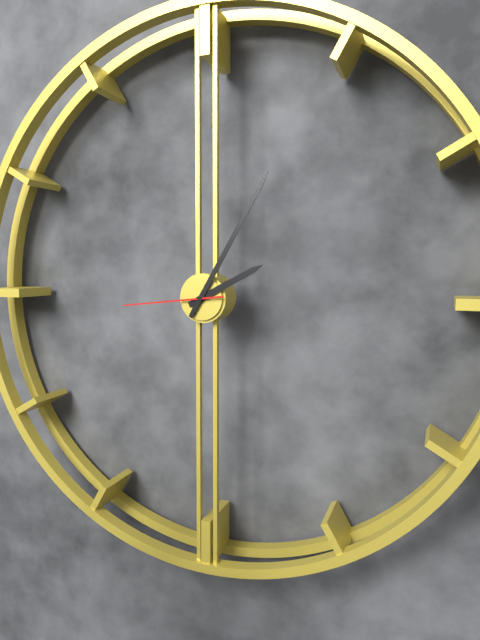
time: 2:05:44
